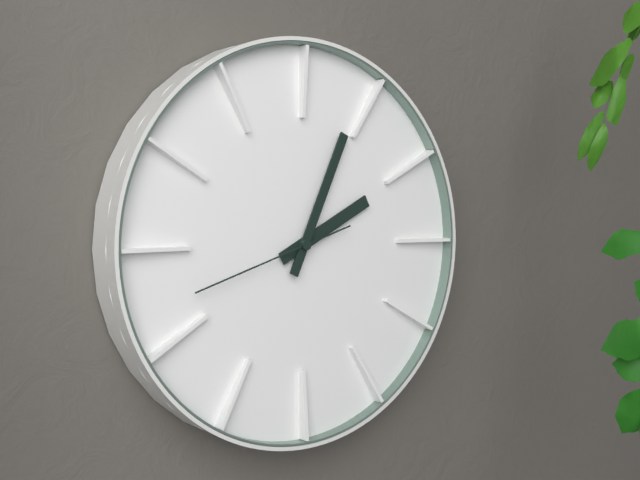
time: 2:04:42
